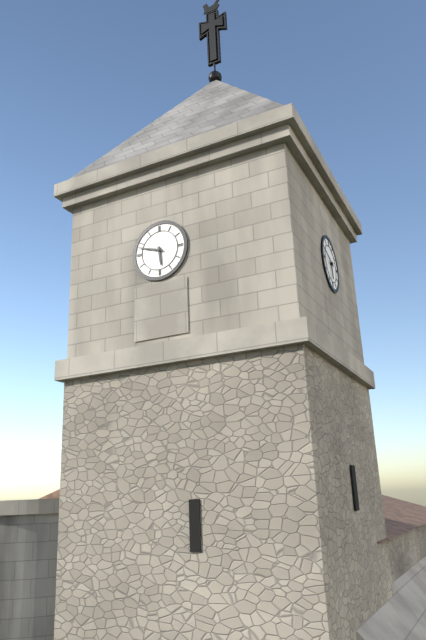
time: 5:48
